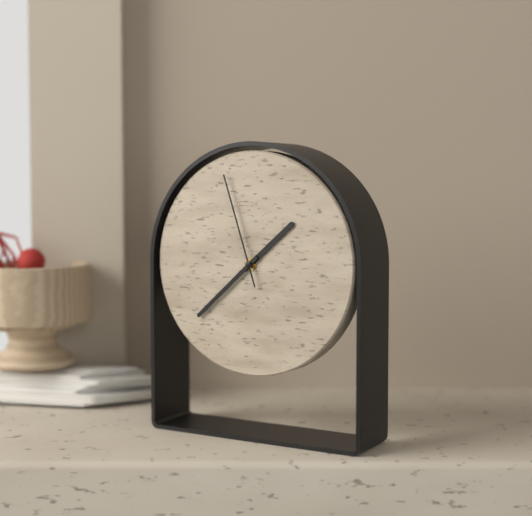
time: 1:38:57
